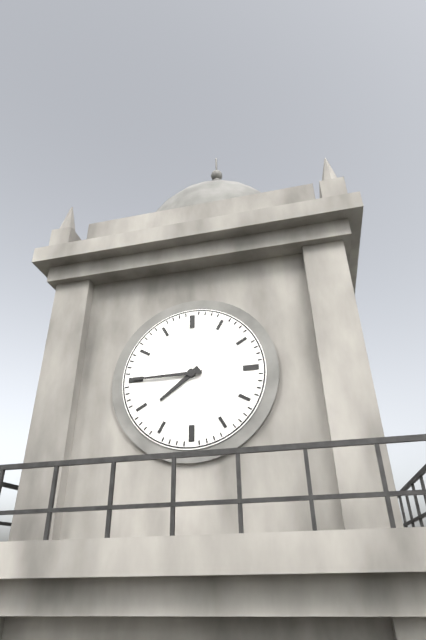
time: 7:45
